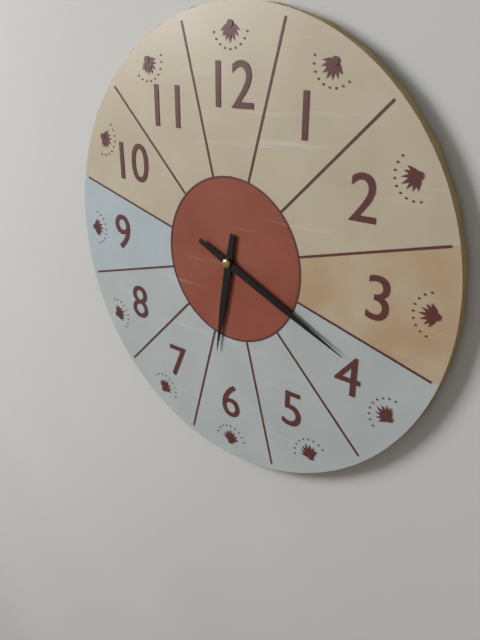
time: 6:19
